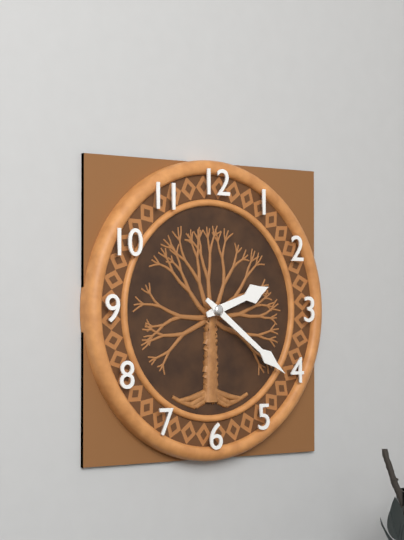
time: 2:21
